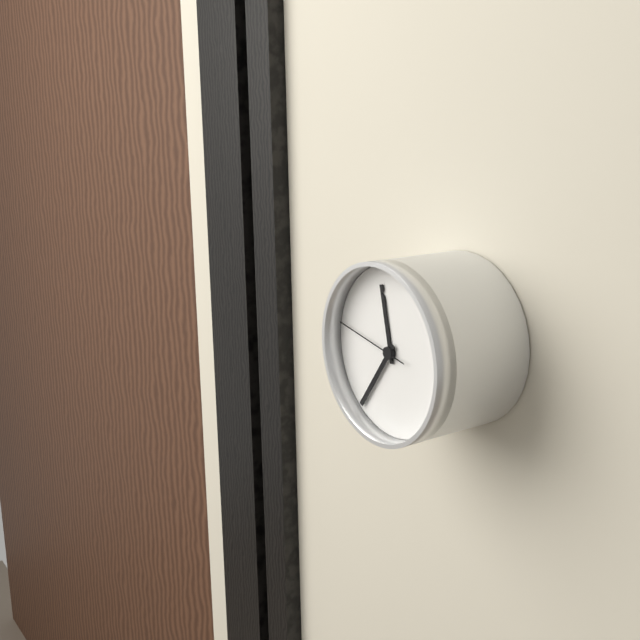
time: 11:36:47
